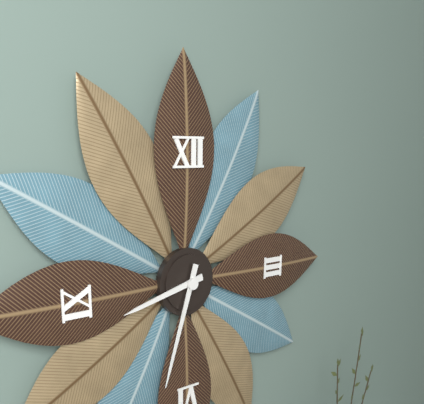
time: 8:33
